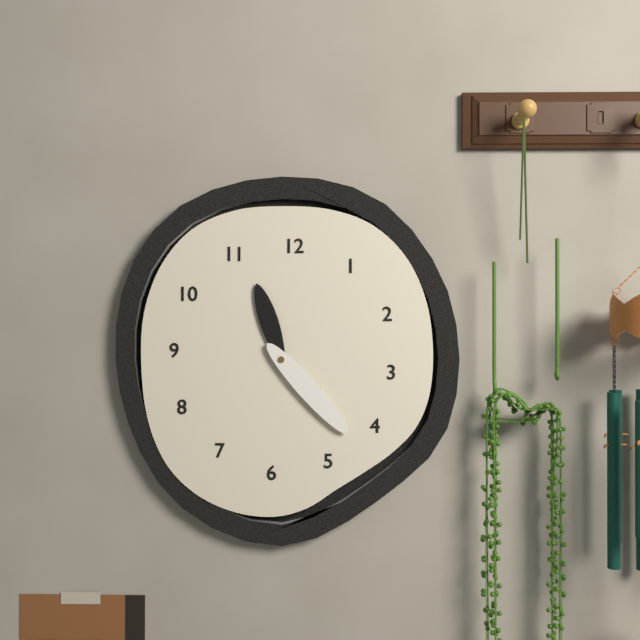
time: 11:23
